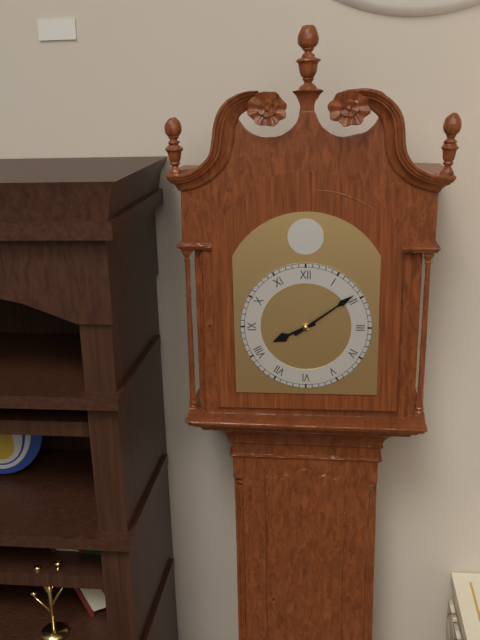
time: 8:09
